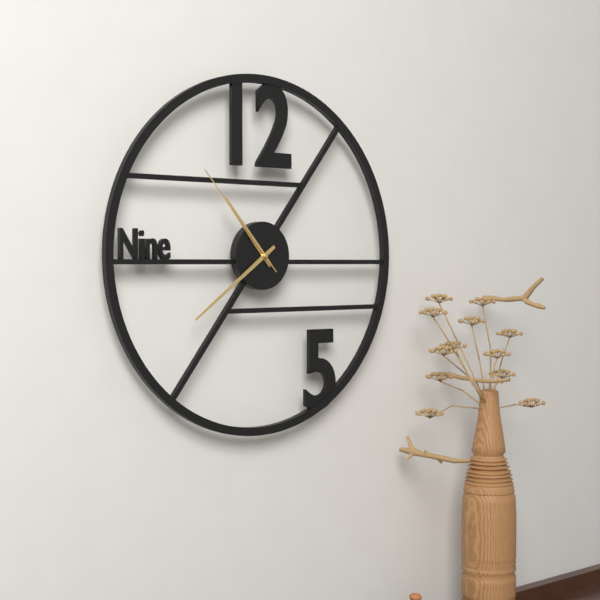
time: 10:39:53
